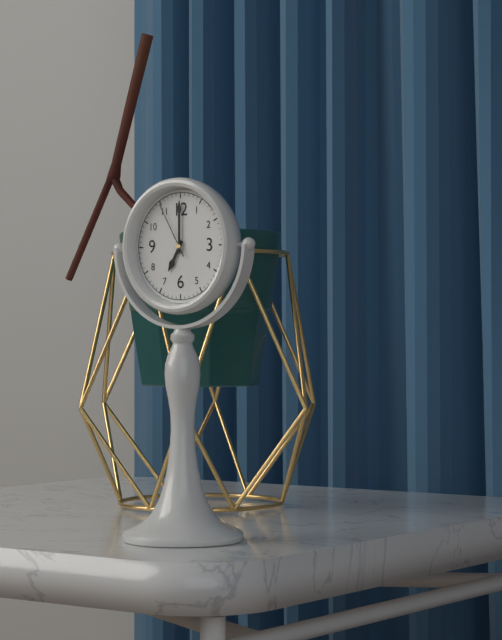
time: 7:00:55
